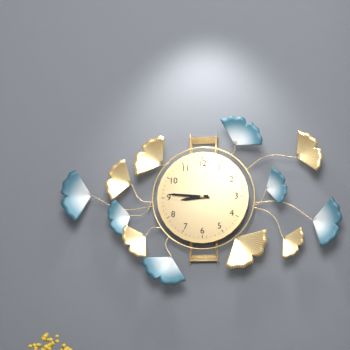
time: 8:46
